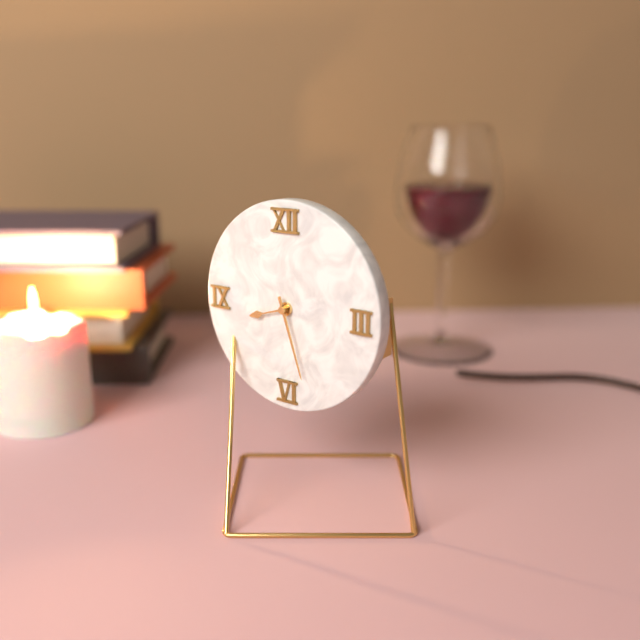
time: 8:27
